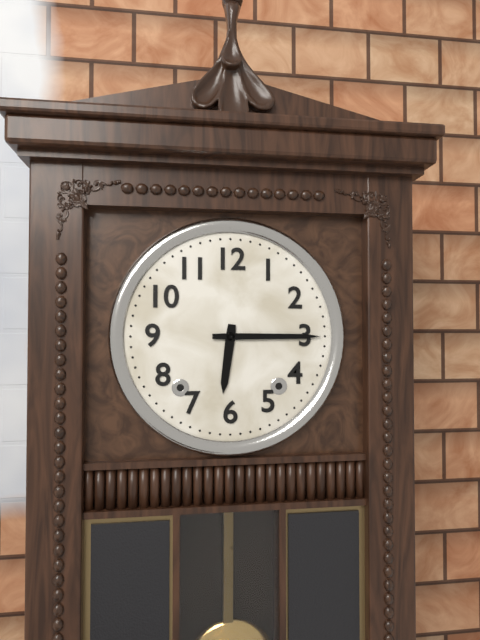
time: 6:15
